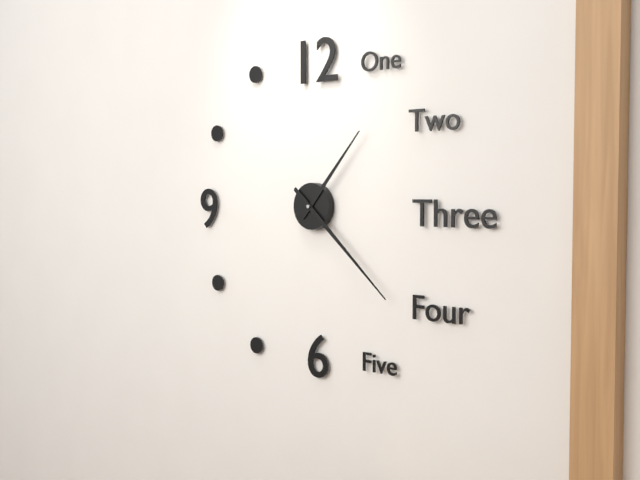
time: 1:22
